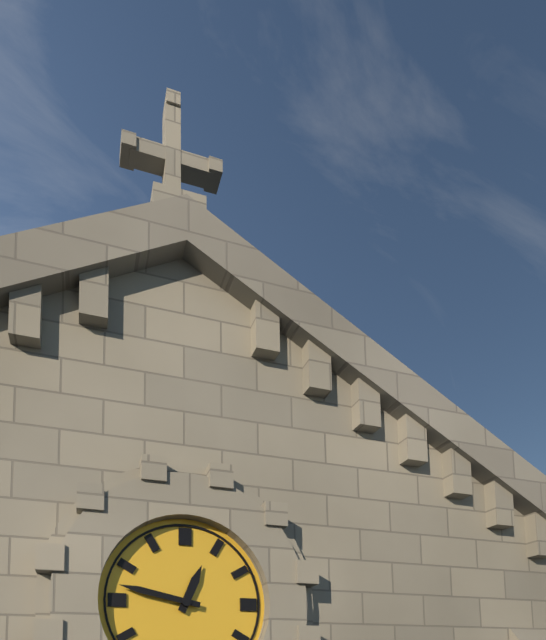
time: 12:47
